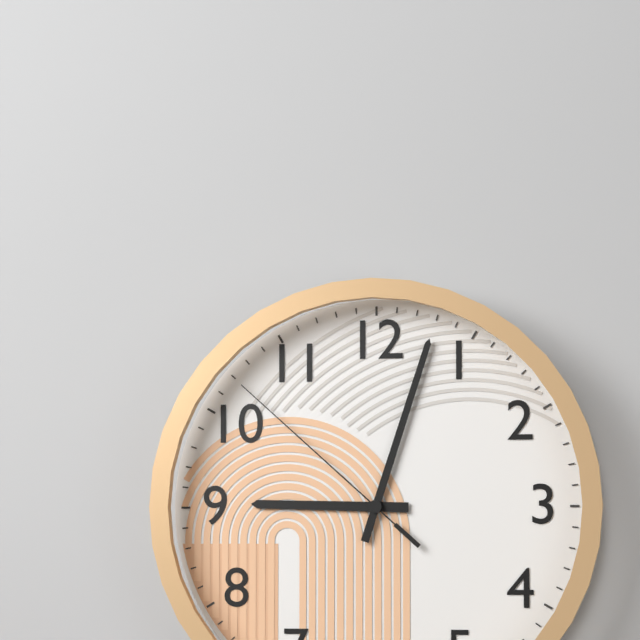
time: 9:03:52
